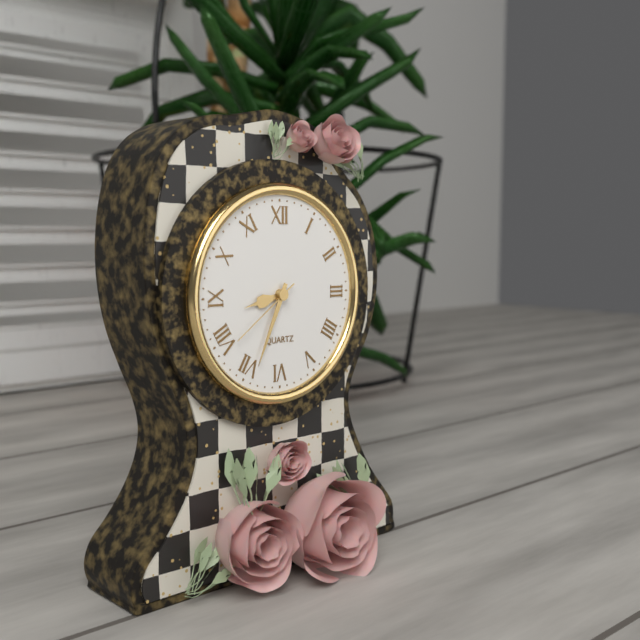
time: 8:34:39
